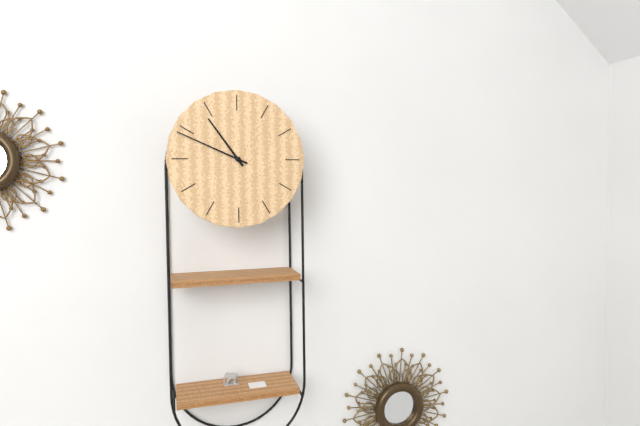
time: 10:49
